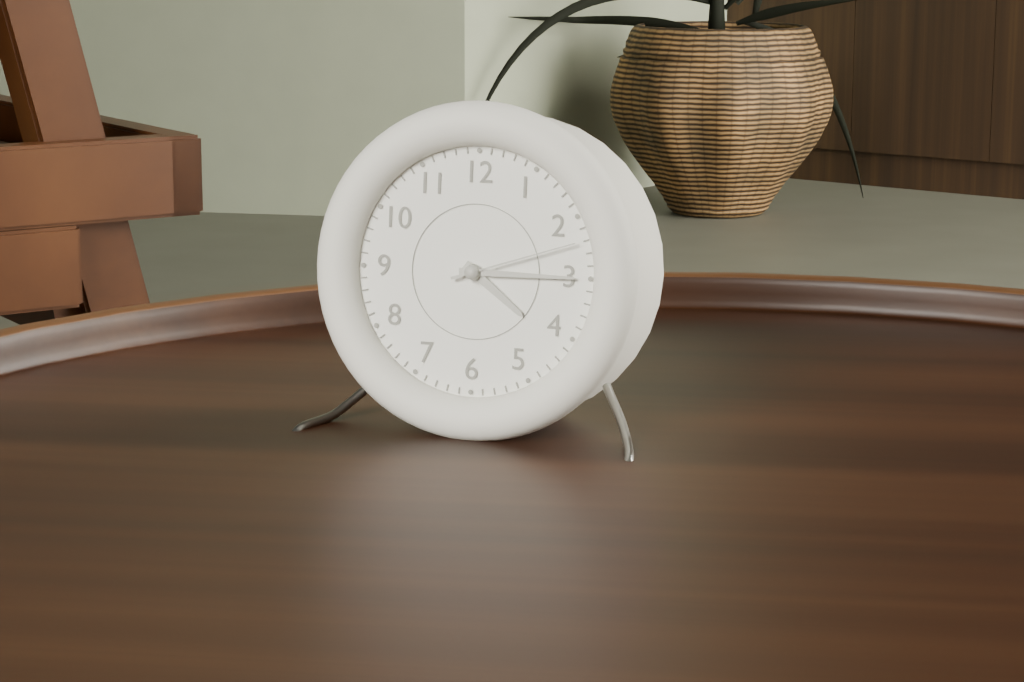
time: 4:15:12
